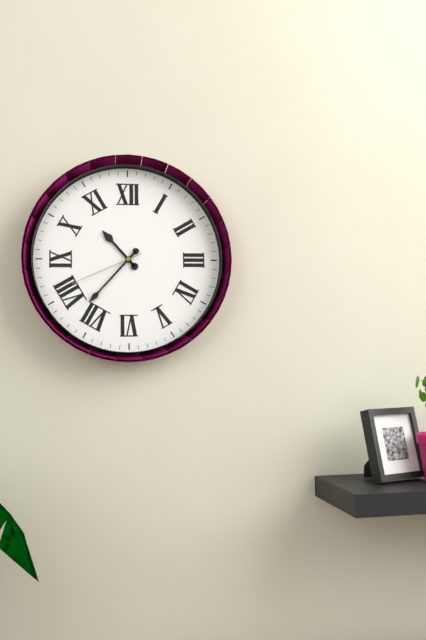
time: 10:37:41
